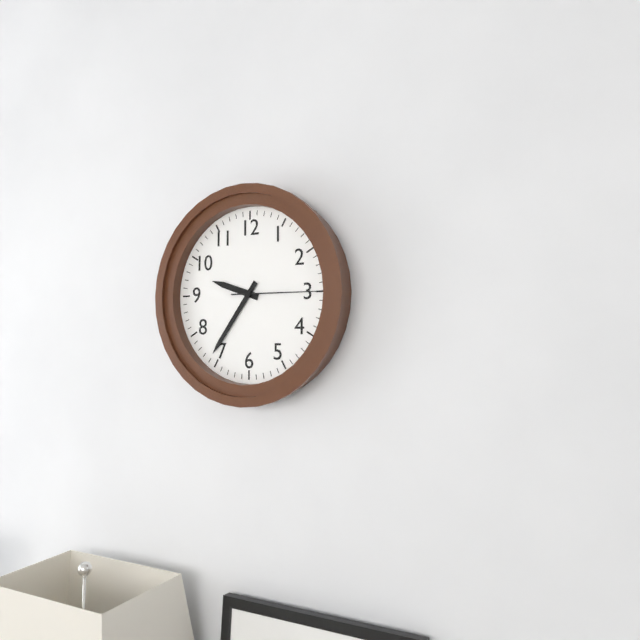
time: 9:36:15
